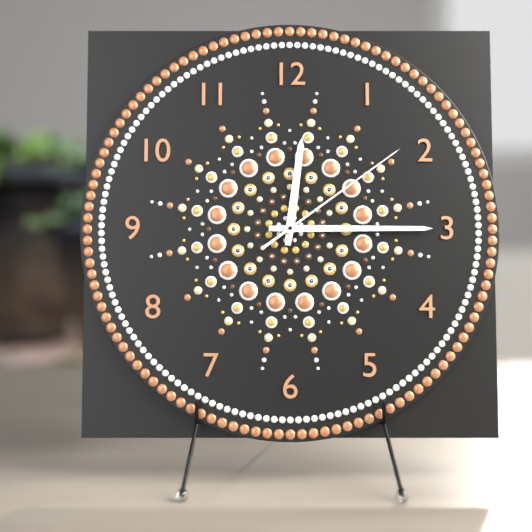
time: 12:15:09
